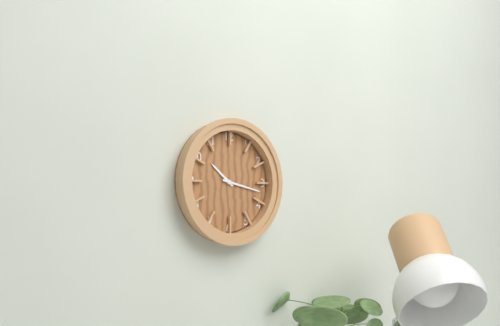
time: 10:17
